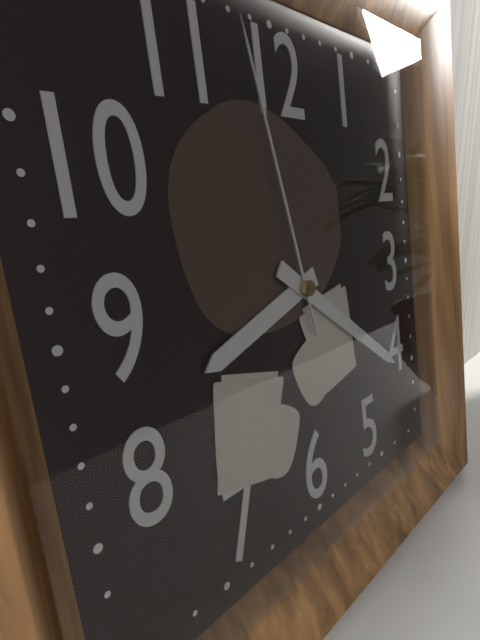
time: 8:21:58
